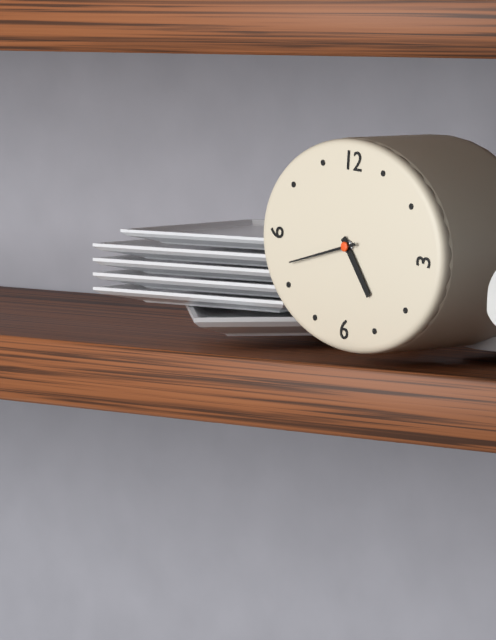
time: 4:42
